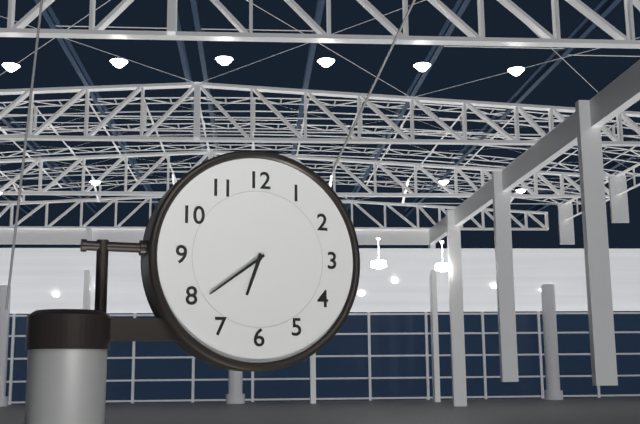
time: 6:39
